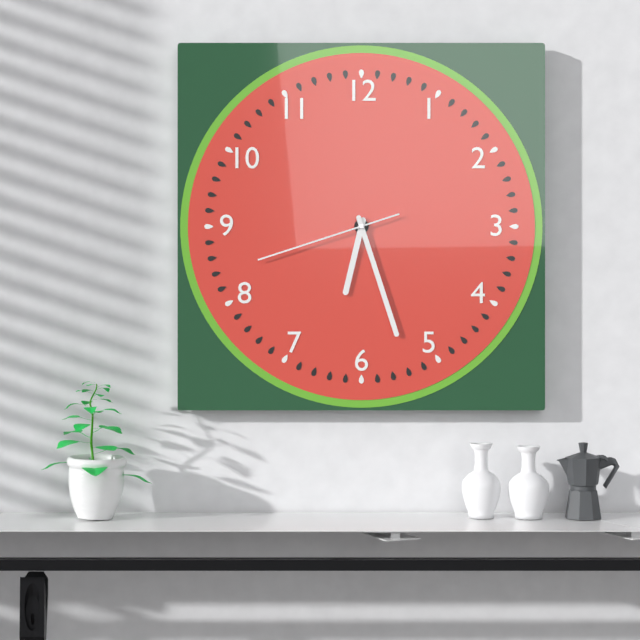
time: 6:27:42
